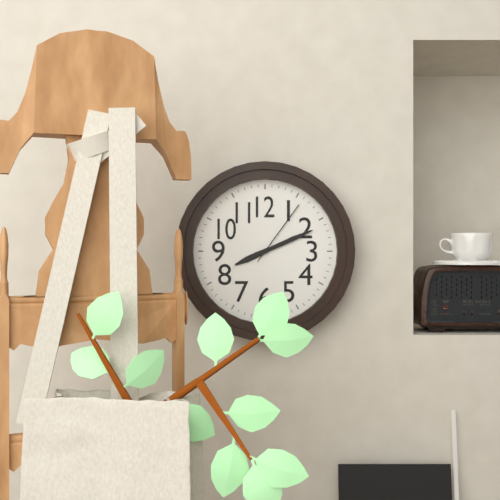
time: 8:11:06
